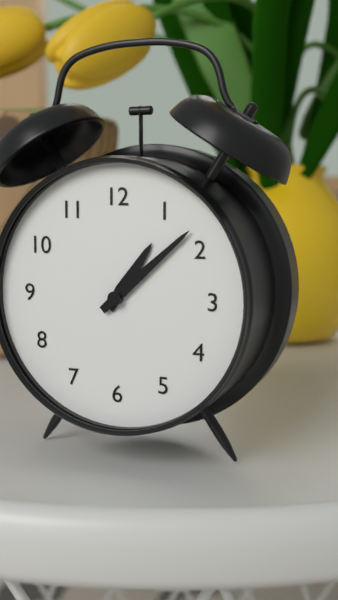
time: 1:08
